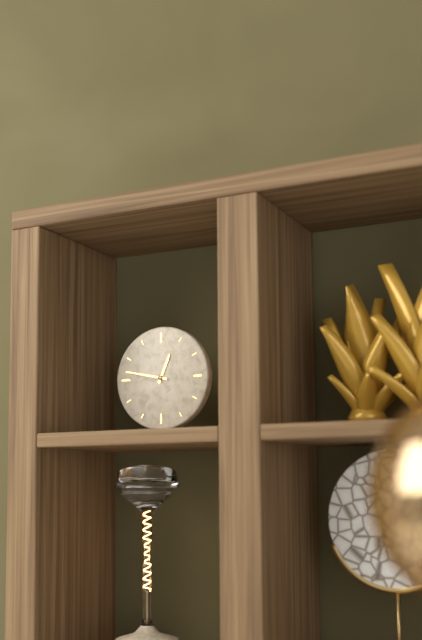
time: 12:47
